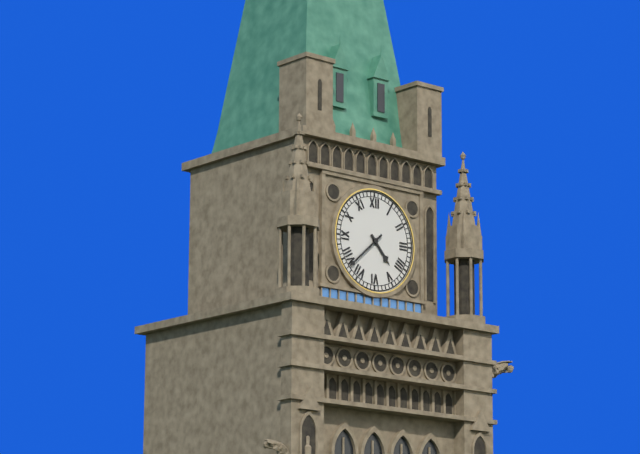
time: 4:38
